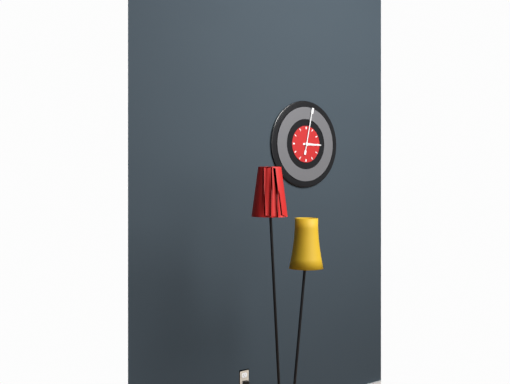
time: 3:02
